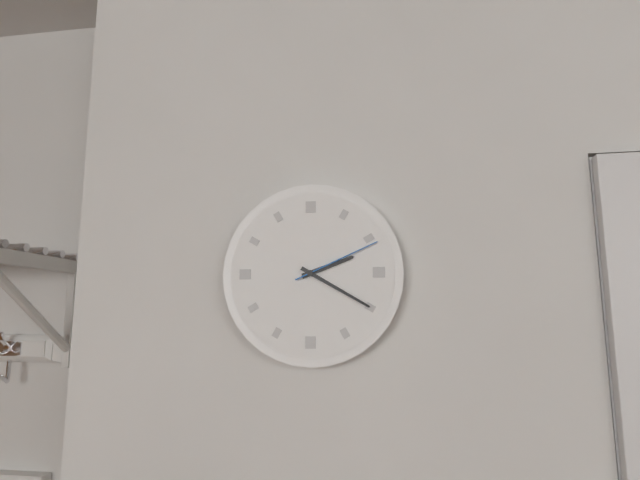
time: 2:20:11
